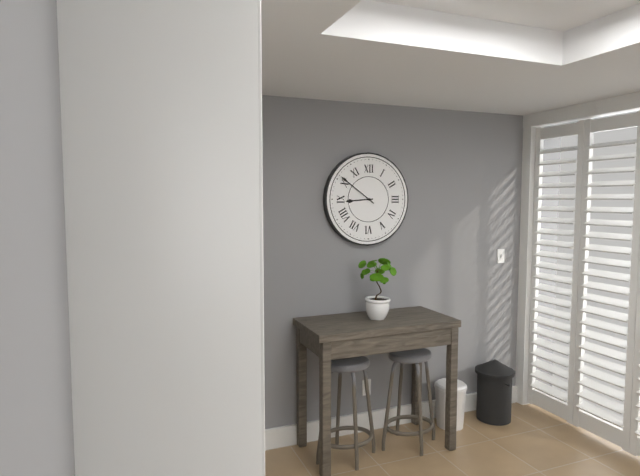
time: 8:51
